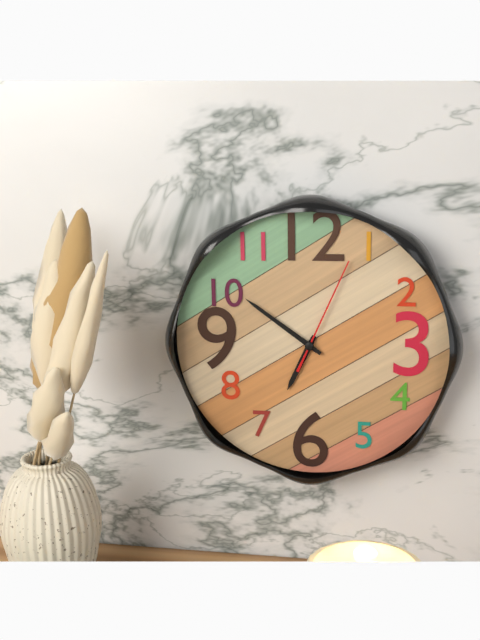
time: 6:51:04
